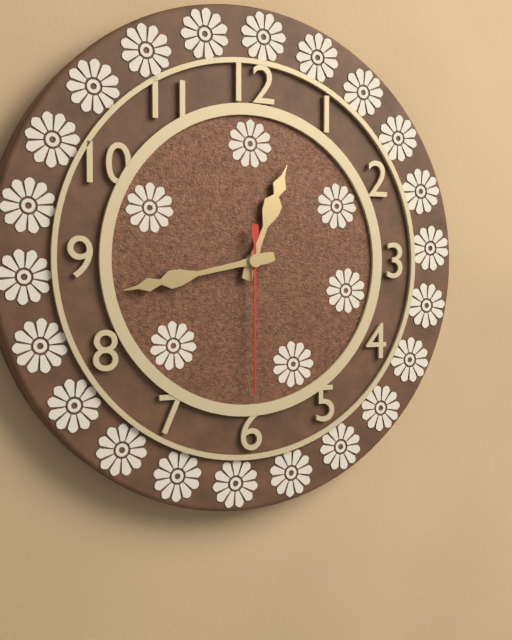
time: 12:43:30
